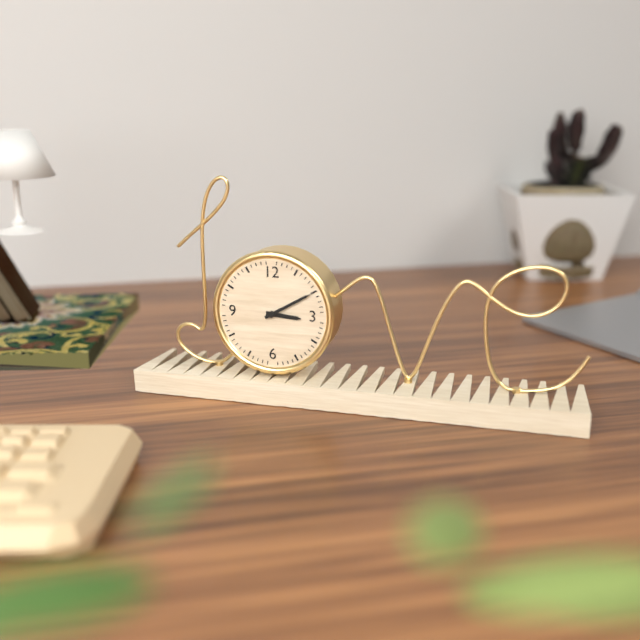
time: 3:10
